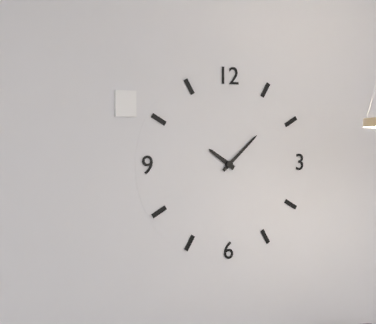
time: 10:08
